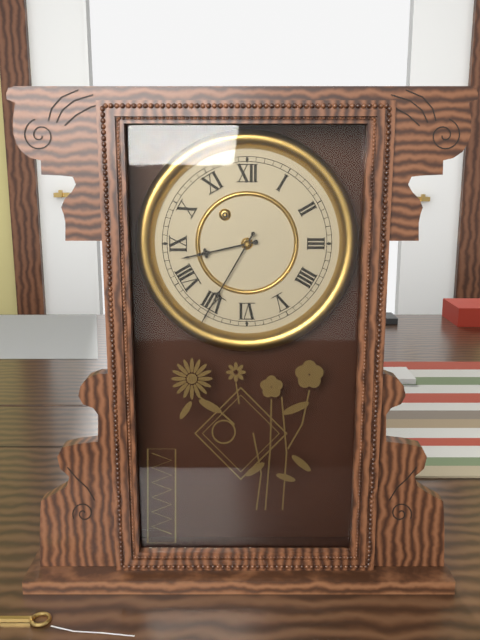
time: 8:35
